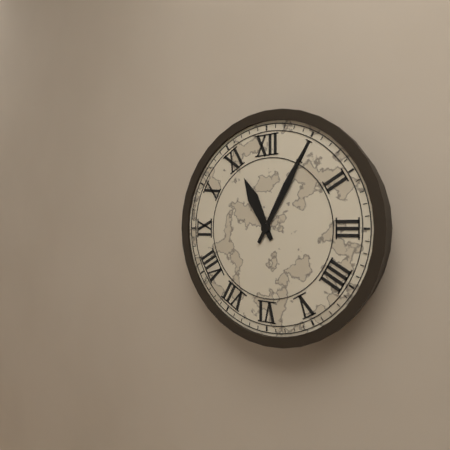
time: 11:05
